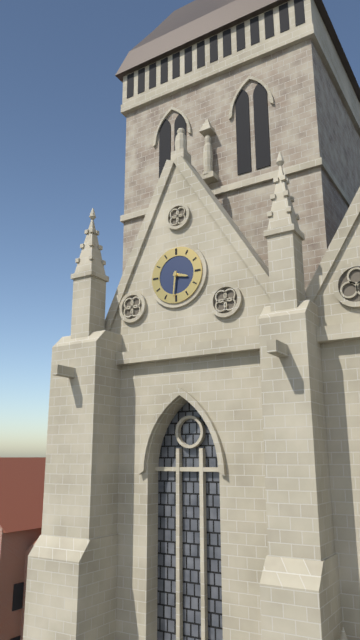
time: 3:31
